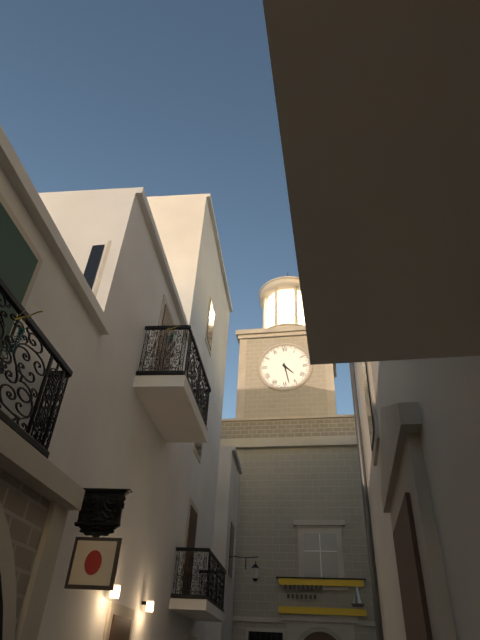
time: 4:28
